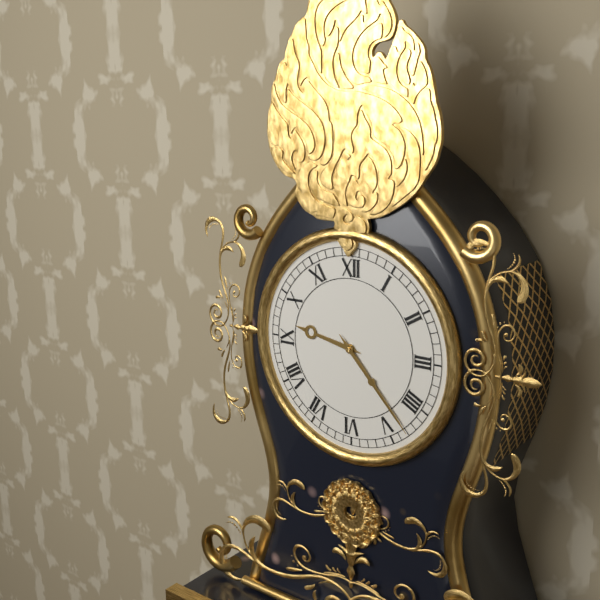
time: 9:23
